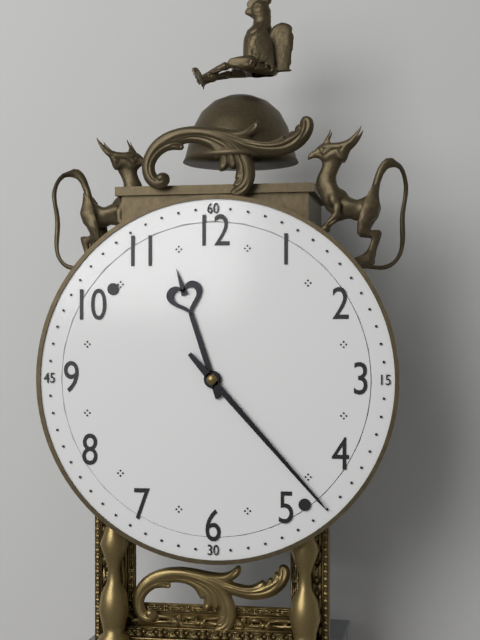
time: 11:23
